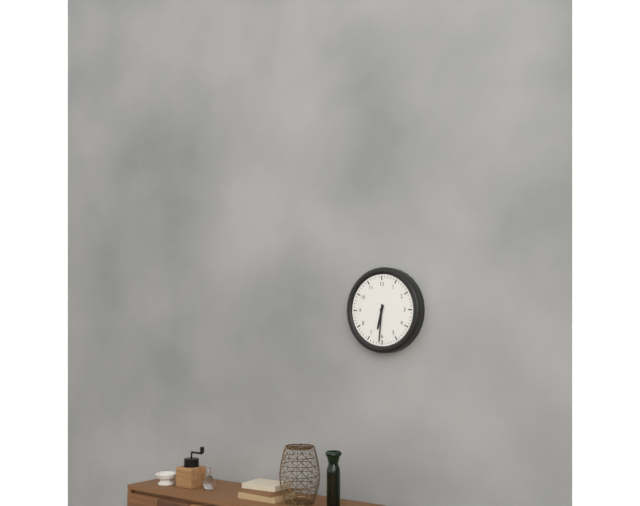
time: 6:31
